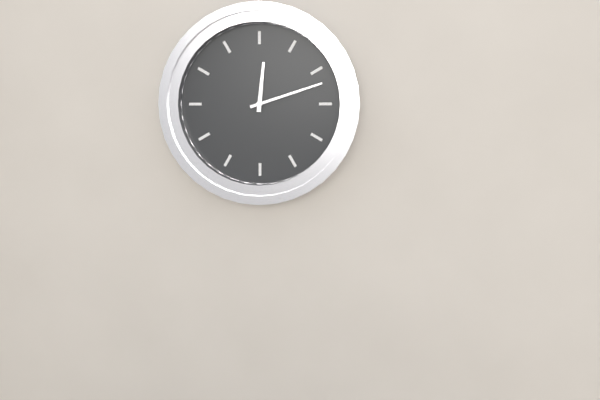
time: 12:12
